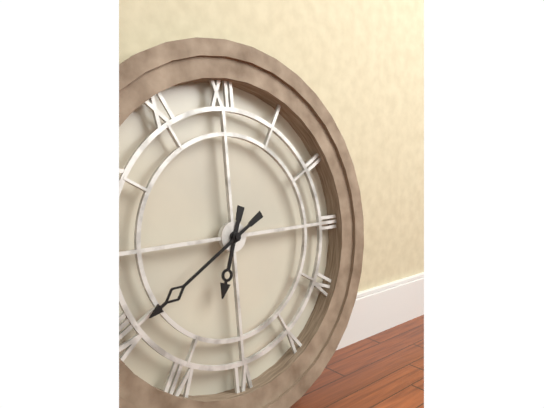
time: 6:40
